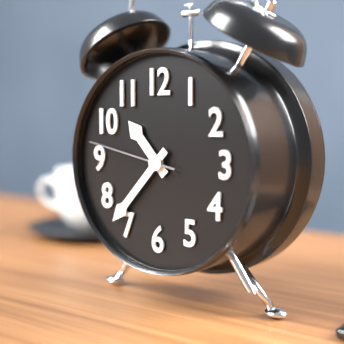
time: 10:37:47
